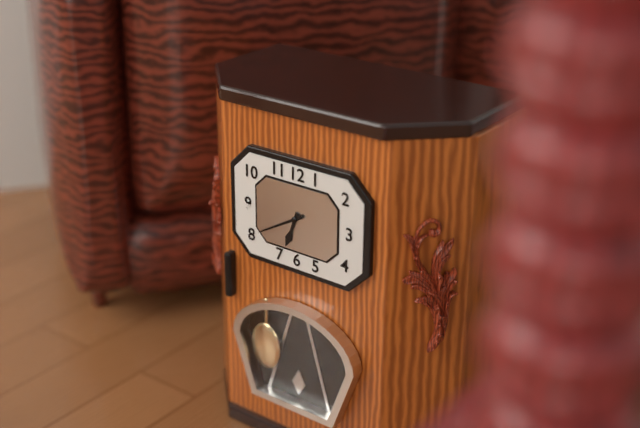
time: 6:40
